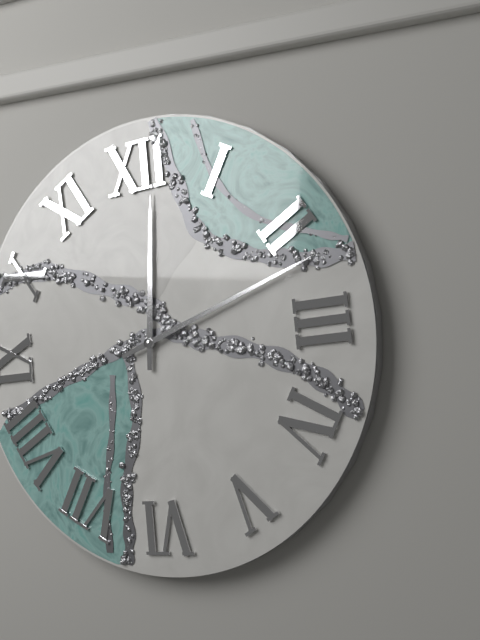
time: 12:12
